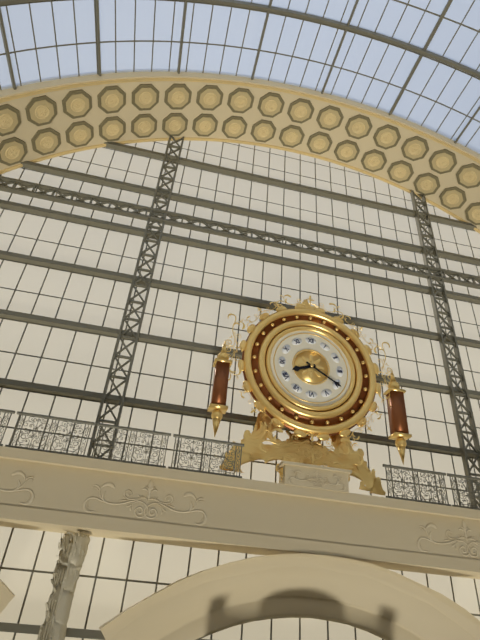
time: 8:20
